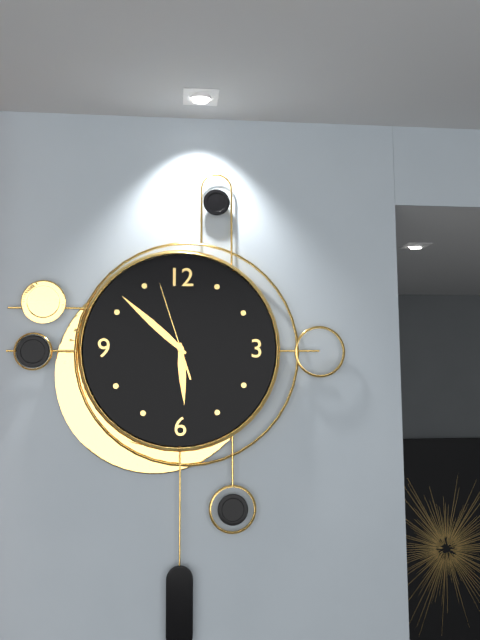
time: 5:52:57
